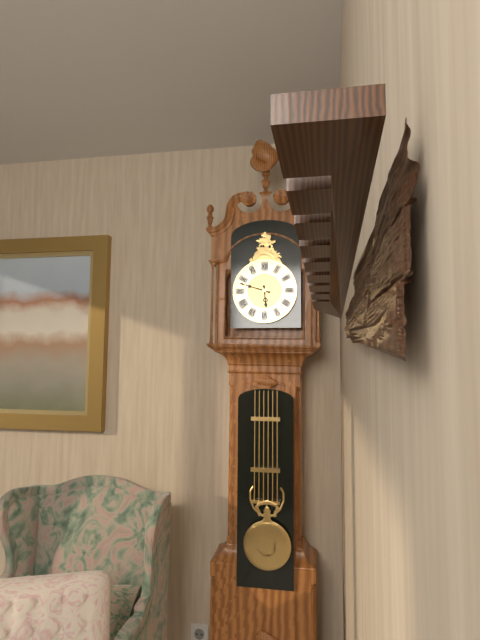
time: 5:48
